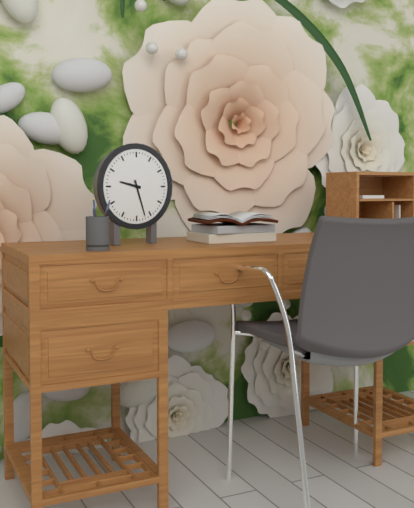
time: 9:27
